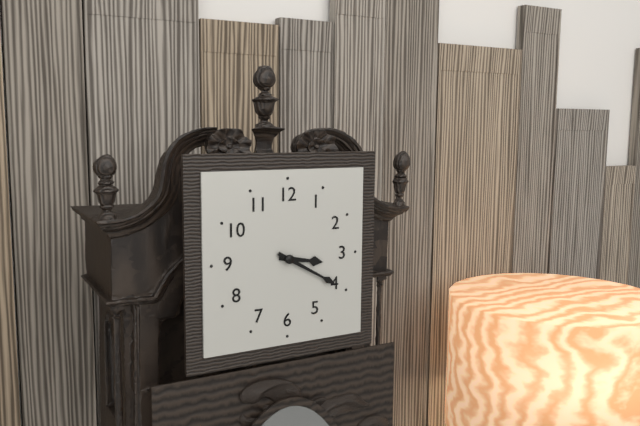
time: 3:20
